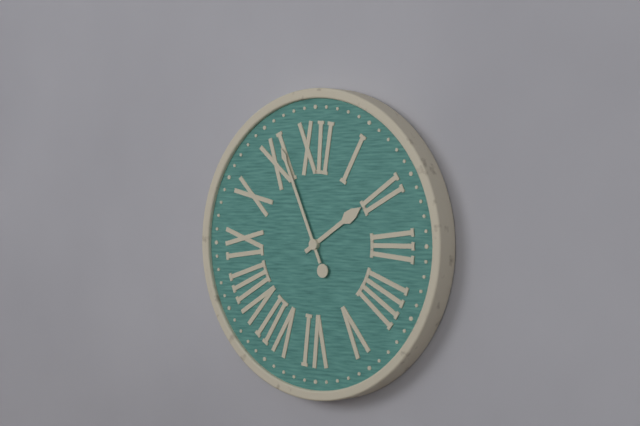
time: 1:56
